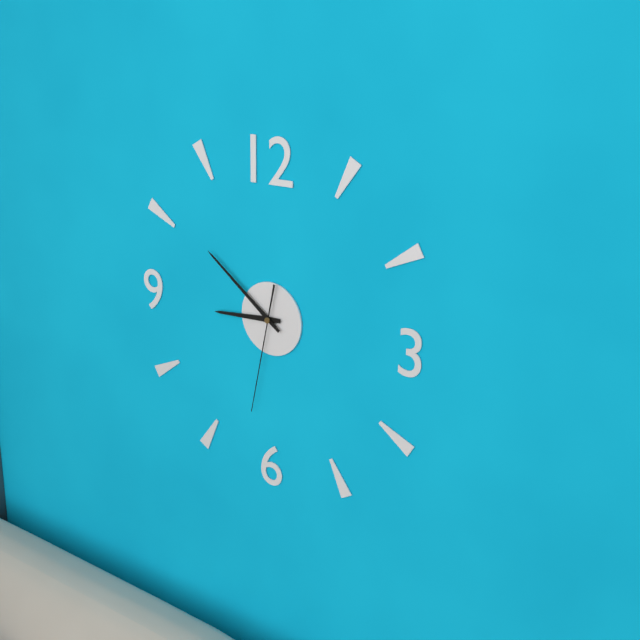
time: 8:51:32
